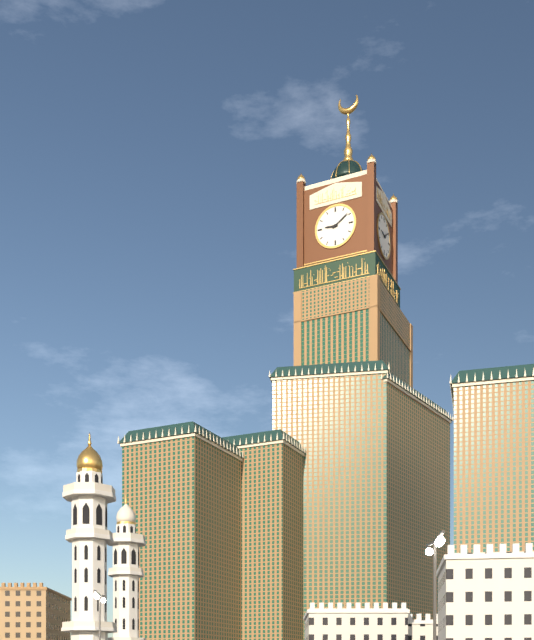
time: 9:09
